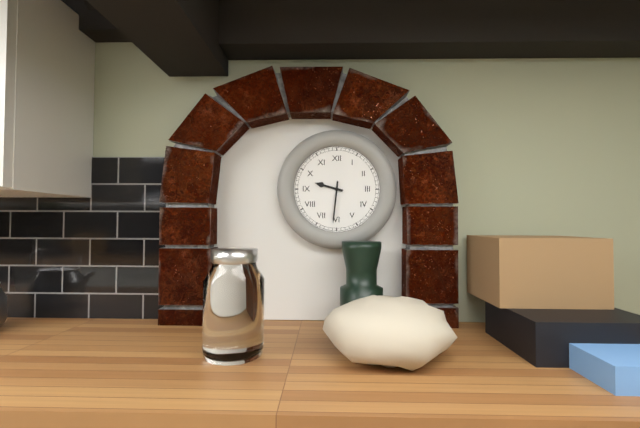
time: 9:31
